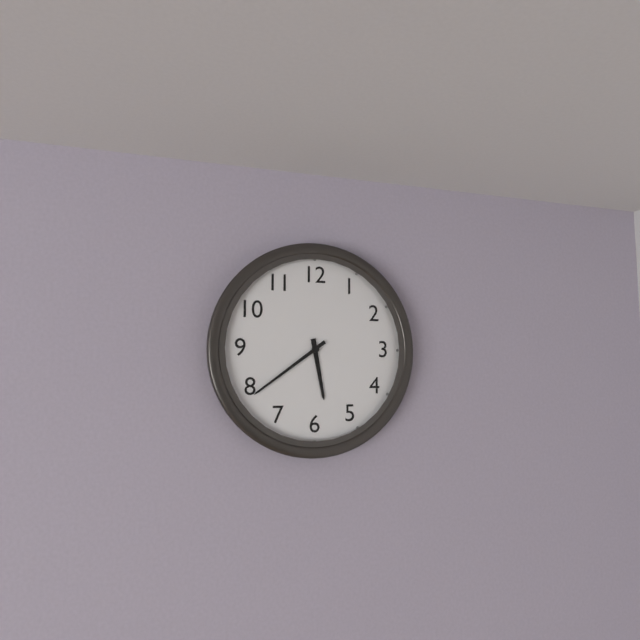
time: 5:39
